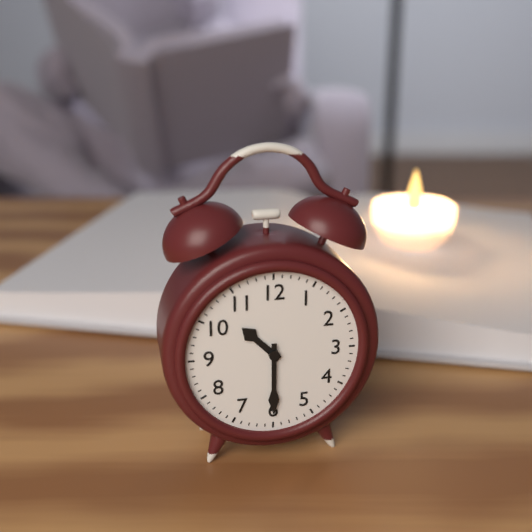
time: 10:30
